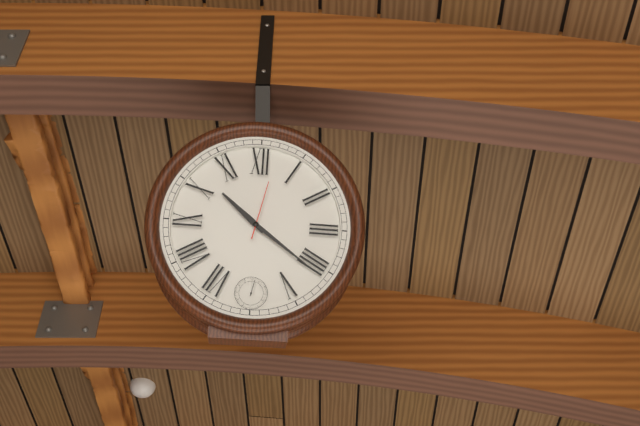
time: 10:21:02
